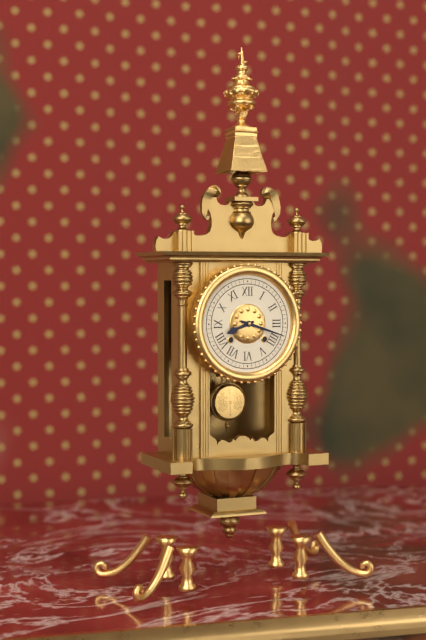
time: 8:18
